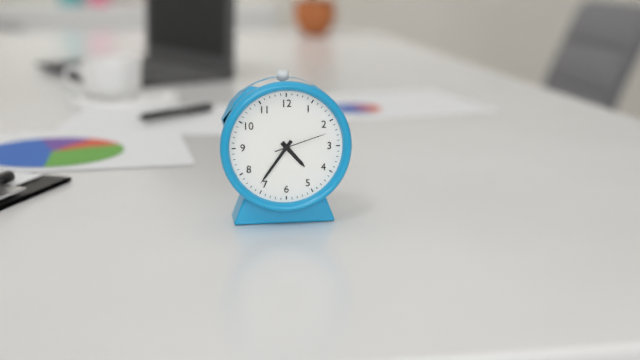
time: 4:36:12
